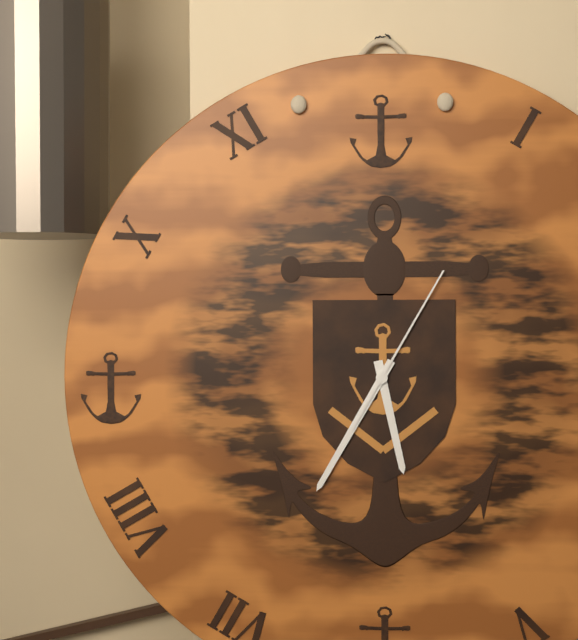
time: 5:35:05
